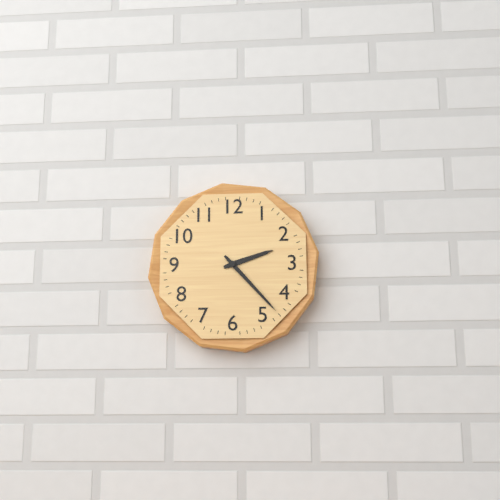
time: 2:23
